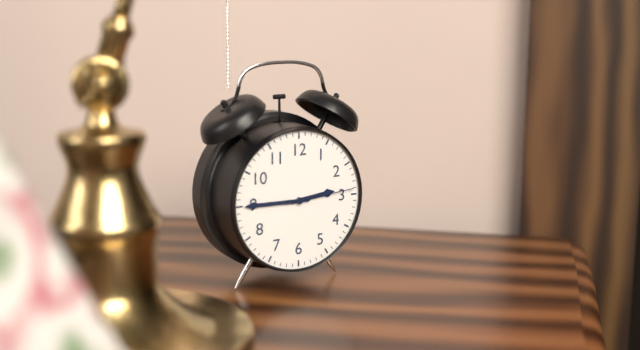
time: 2:45:14
